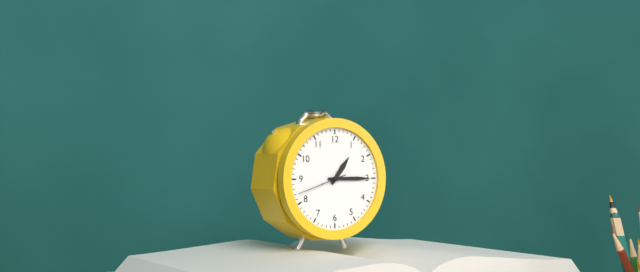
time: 1:15:42
